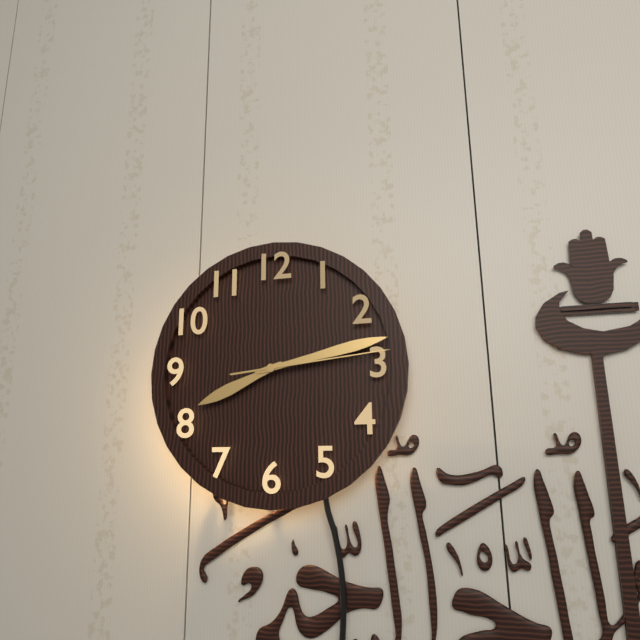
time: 8:13:14
